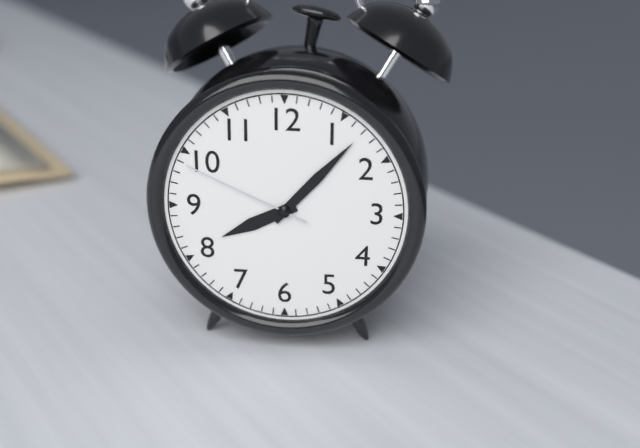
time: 8:07:49
